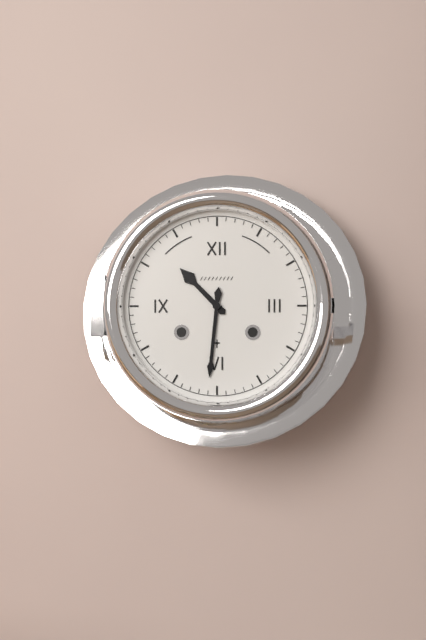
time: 10:31
